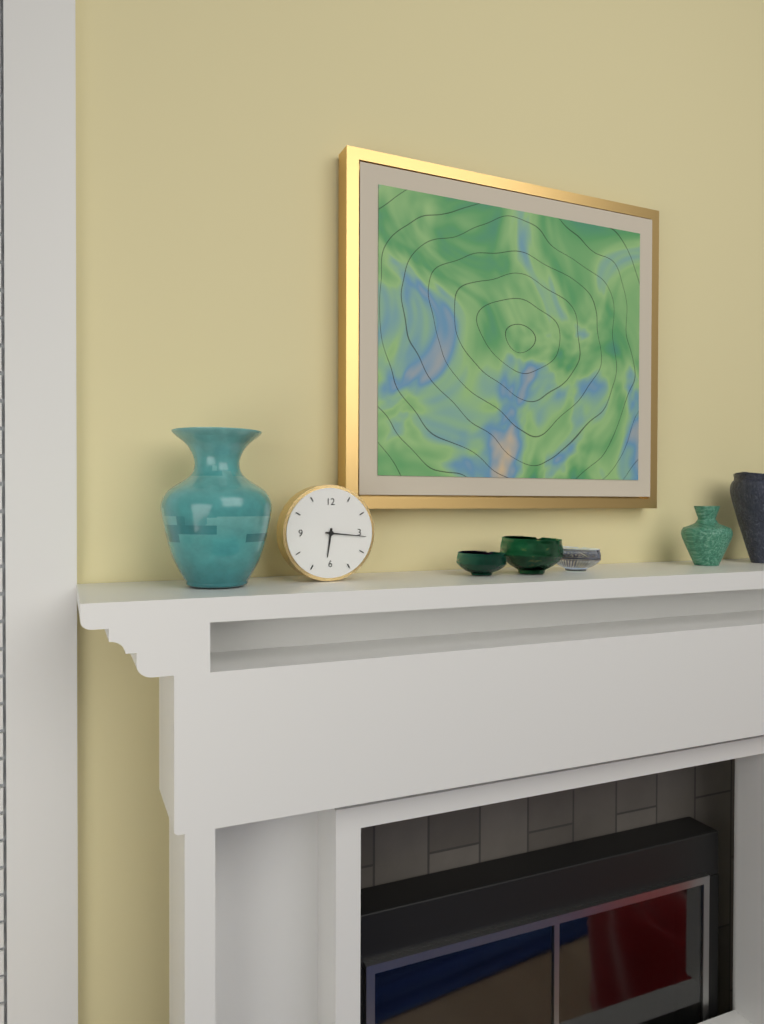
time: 6:16
